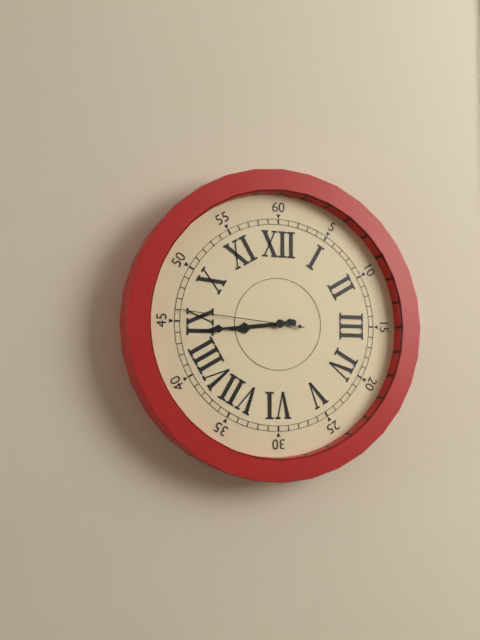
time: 8:44:46
